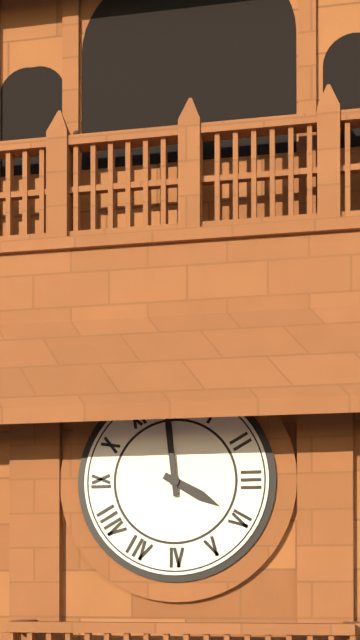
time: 3:59
